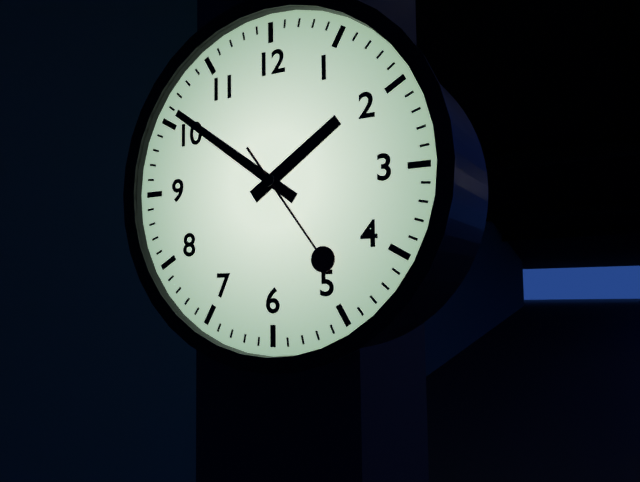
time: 1:51:24
